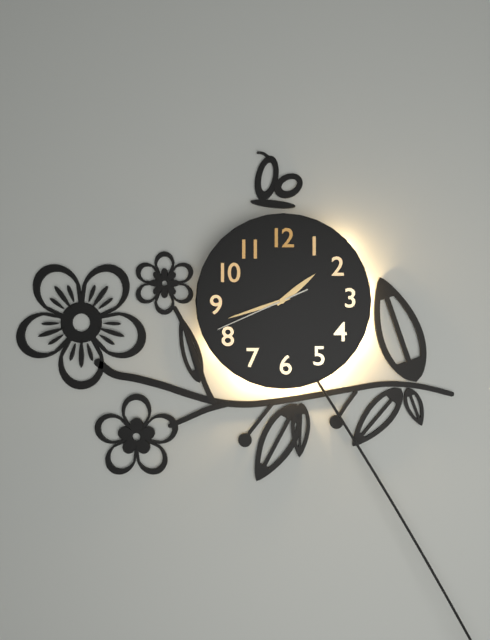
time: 1:42:41
